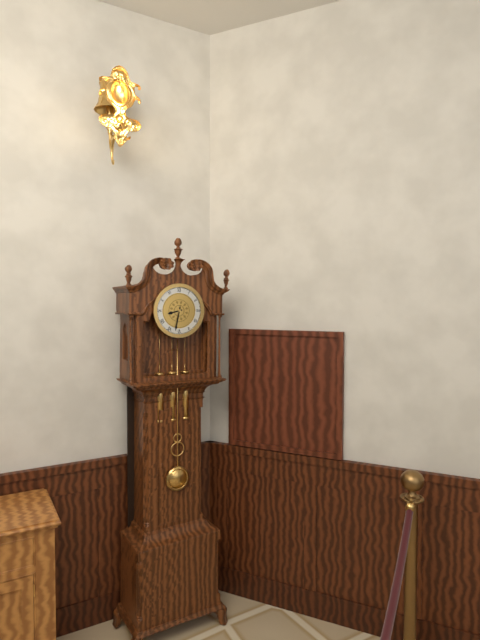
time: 8:32
